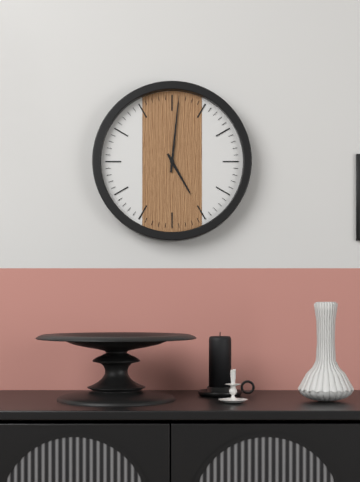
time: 5:01
